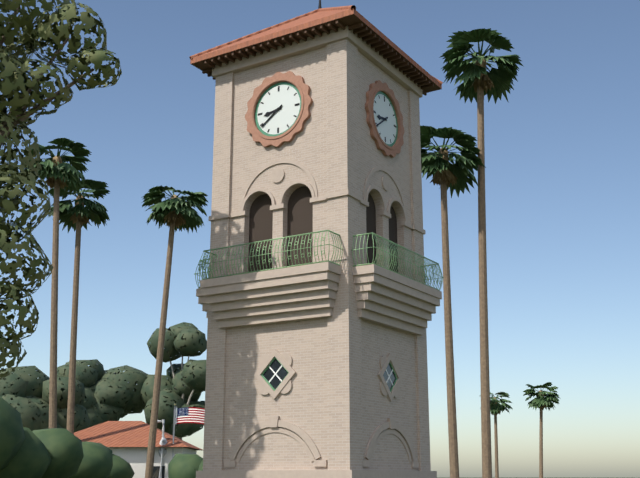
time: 8:39
